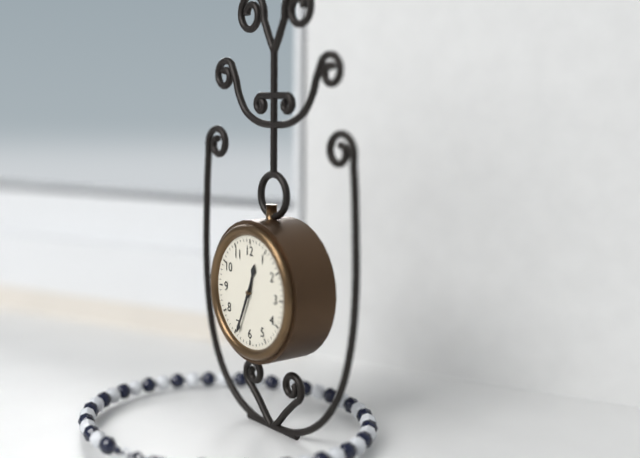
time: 12:34
